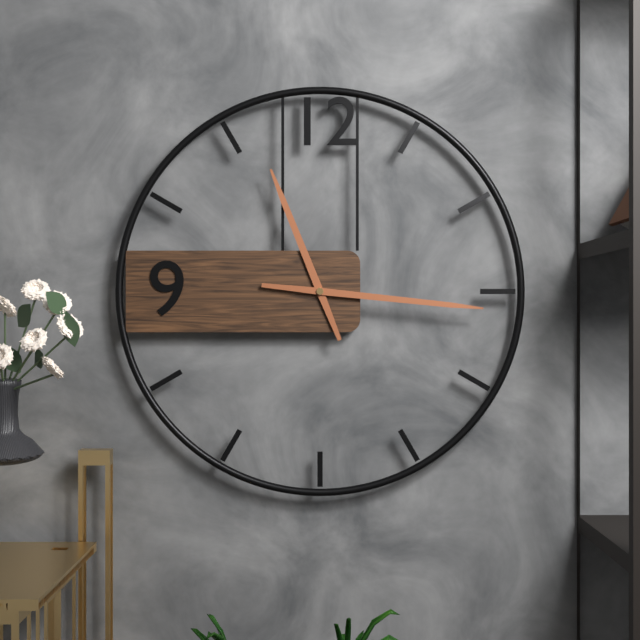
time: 11:16
